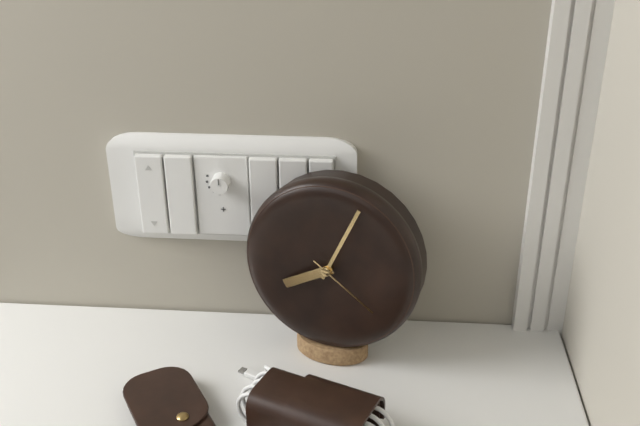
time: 8:04:21
